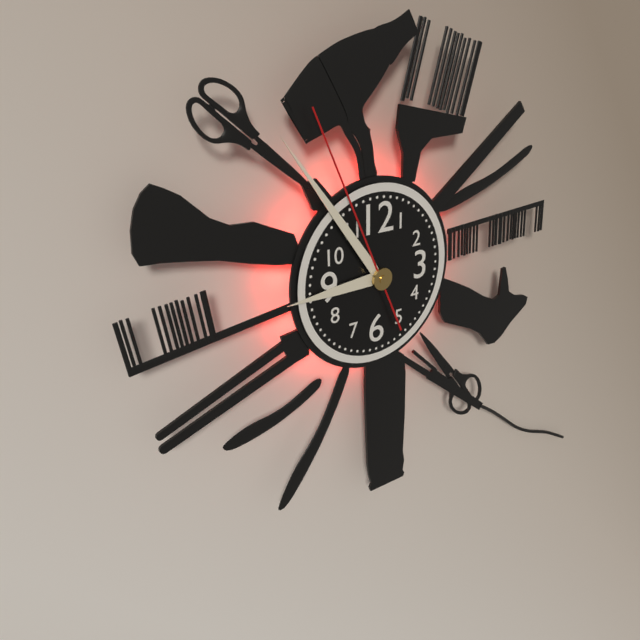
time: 8:54:56
